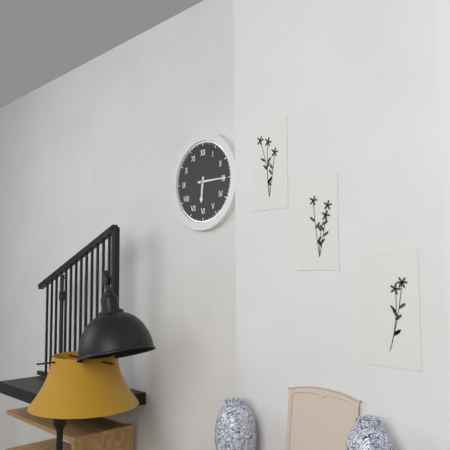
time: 6:15
